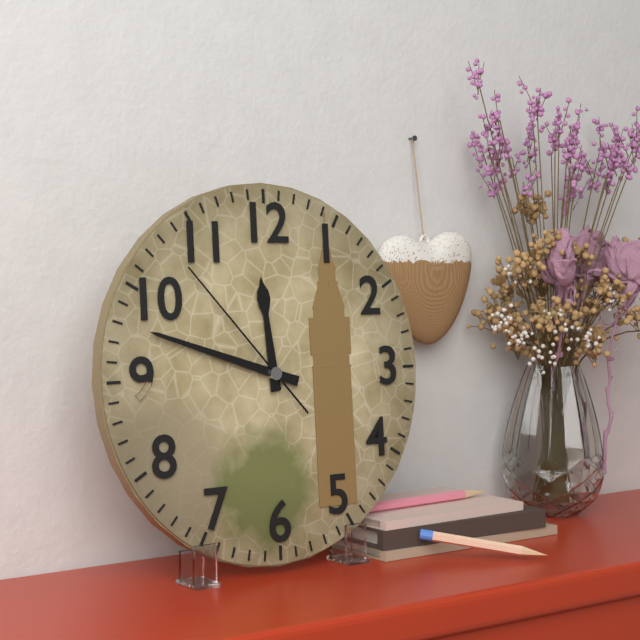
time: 11:48:53
